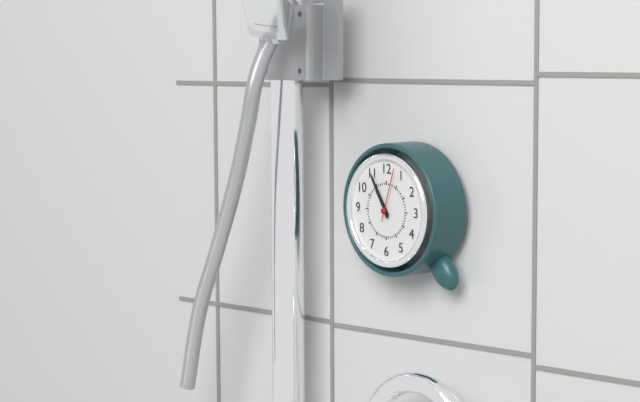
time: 10:55:03
